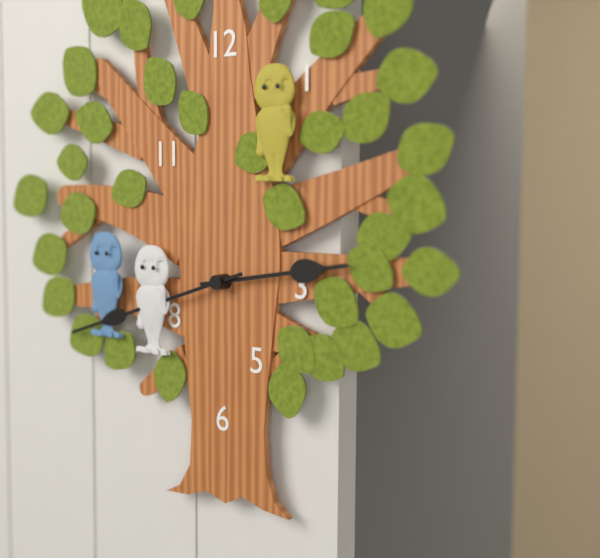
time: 2:42
